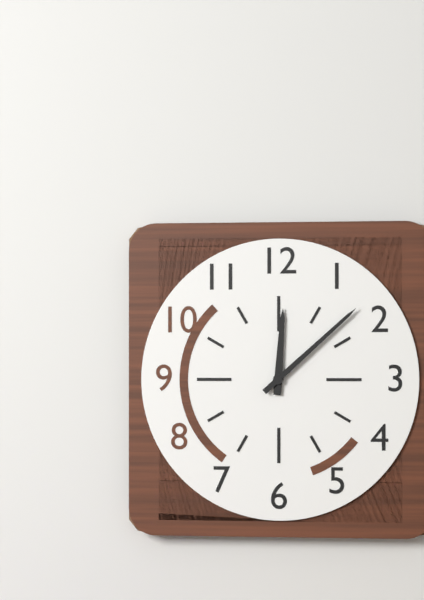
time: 12:08
